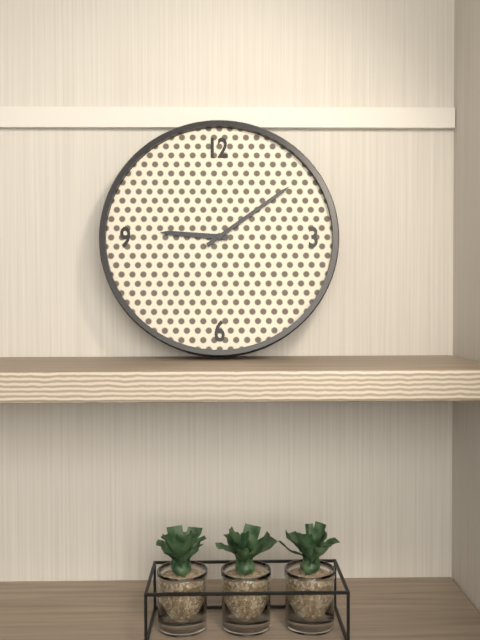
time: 9:09
